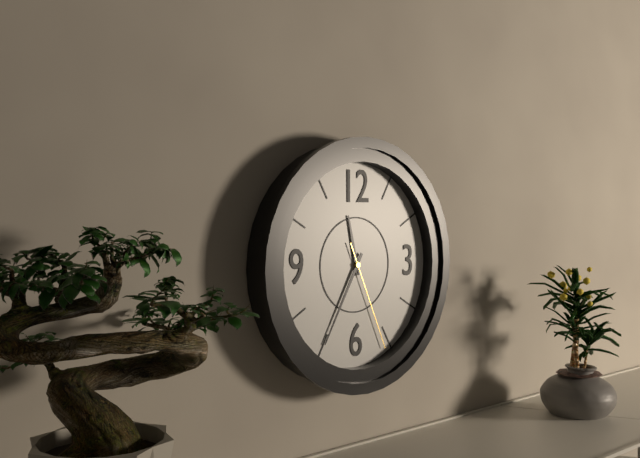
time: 11:35:26
